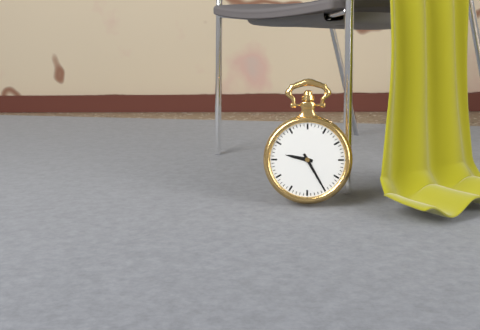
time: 9:25
